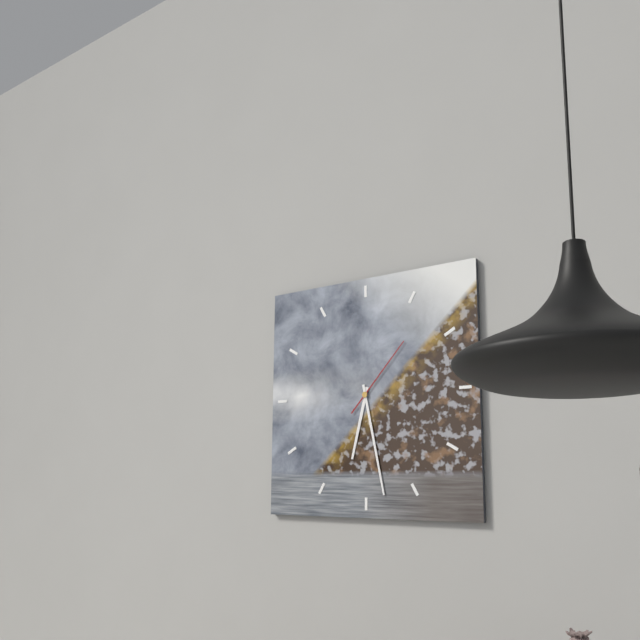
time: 6:28:07
